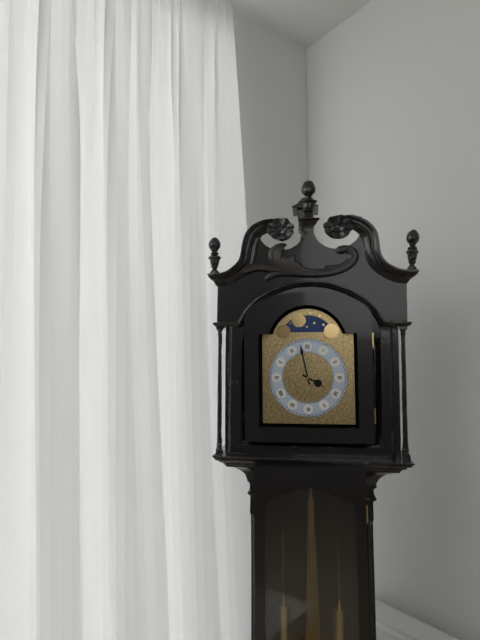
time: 3:58
